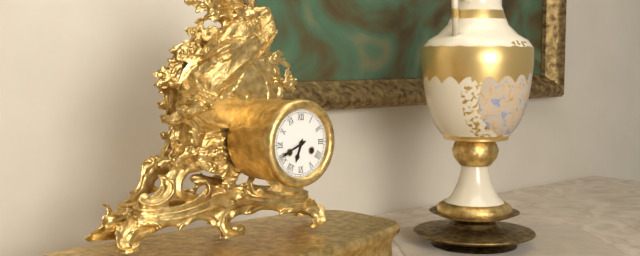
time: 6:41
